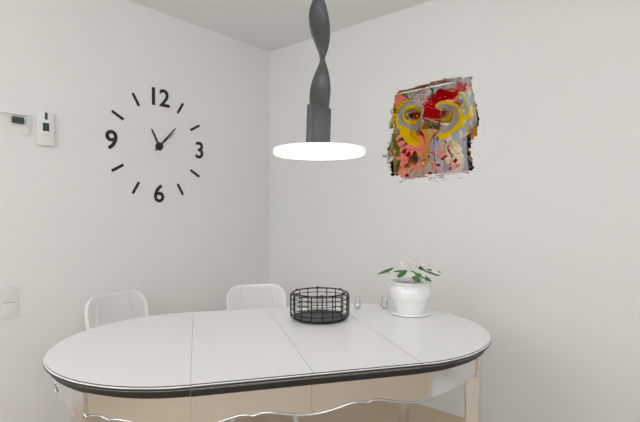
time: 11:07
